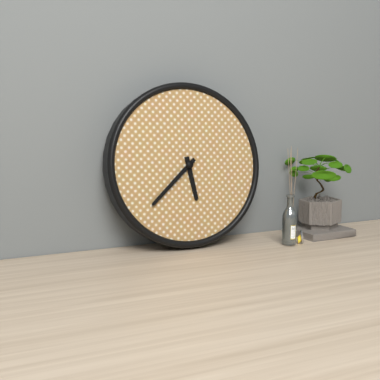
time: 5:38
